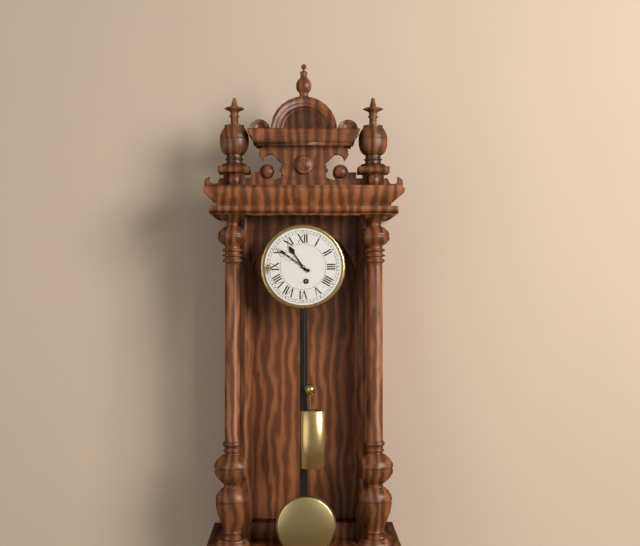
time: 10:51
